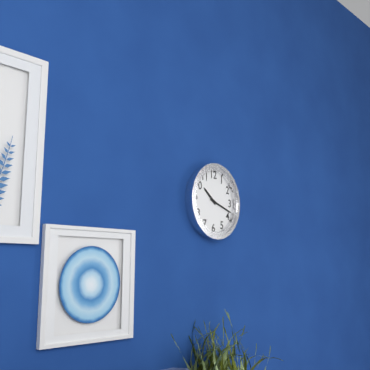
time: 10:18
